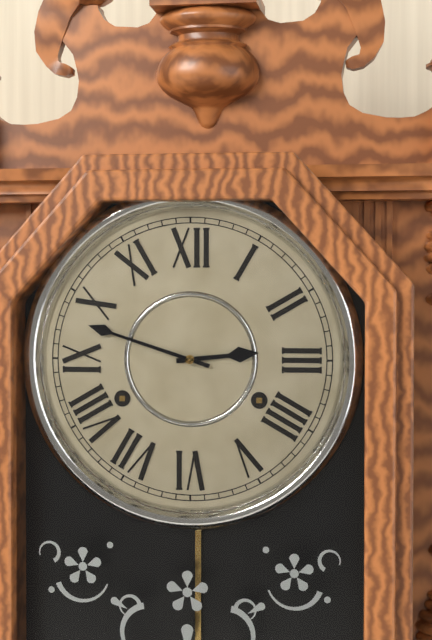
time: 2:48
